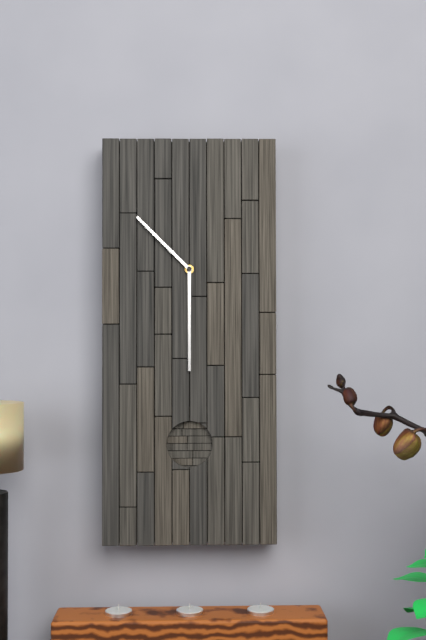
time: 10:30
